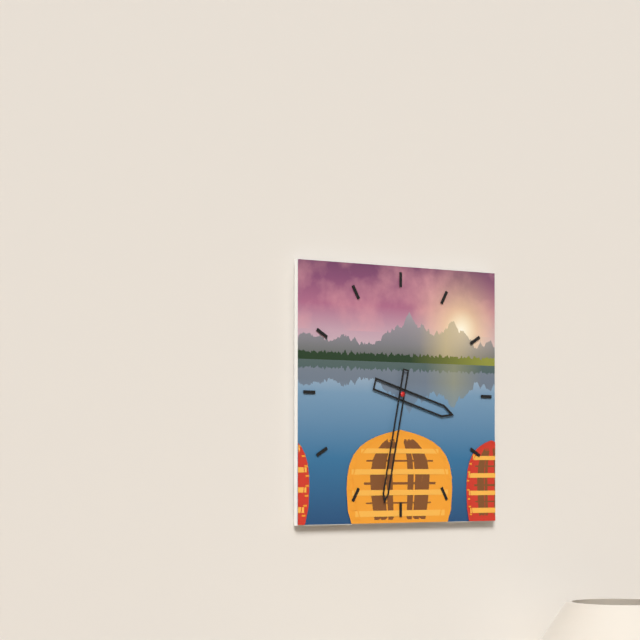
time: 3:32
